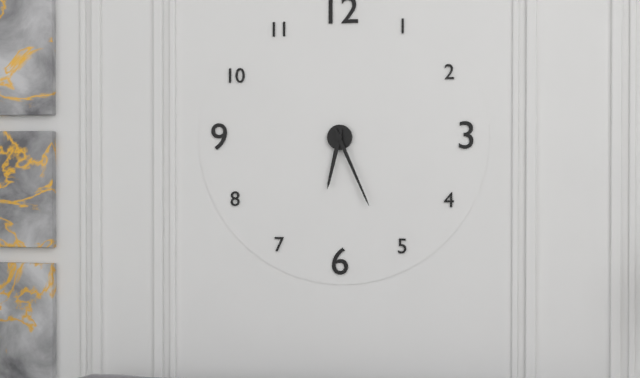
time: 6:26
